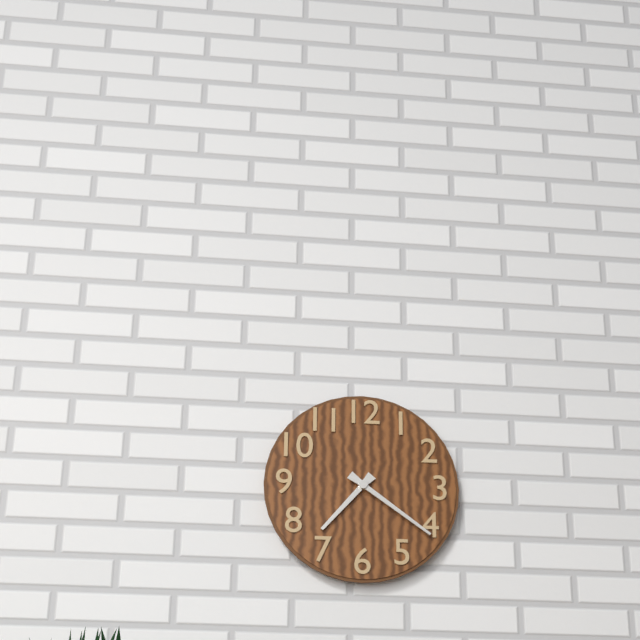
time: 7:21
